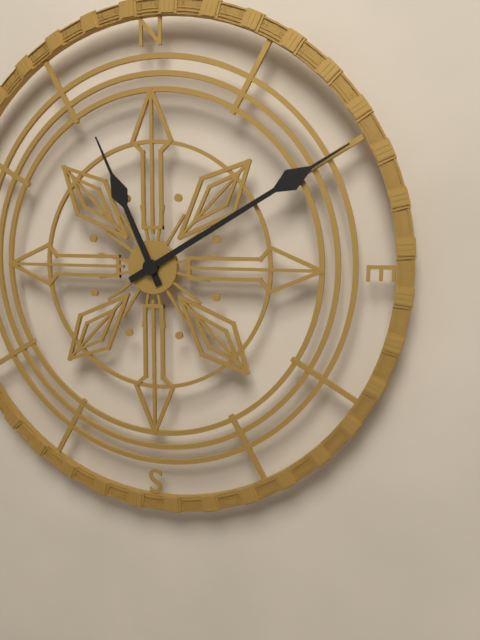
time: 11:10
